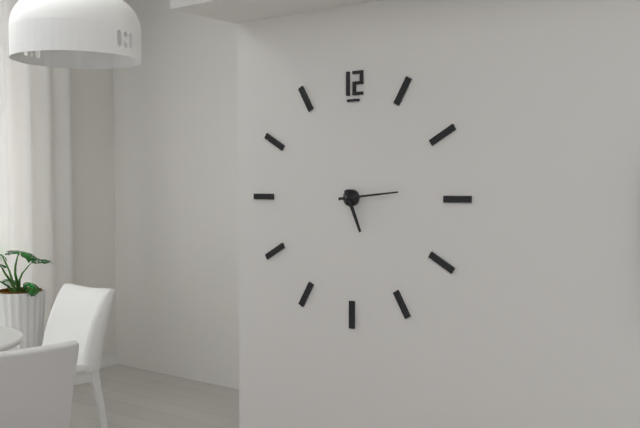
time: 5:14
